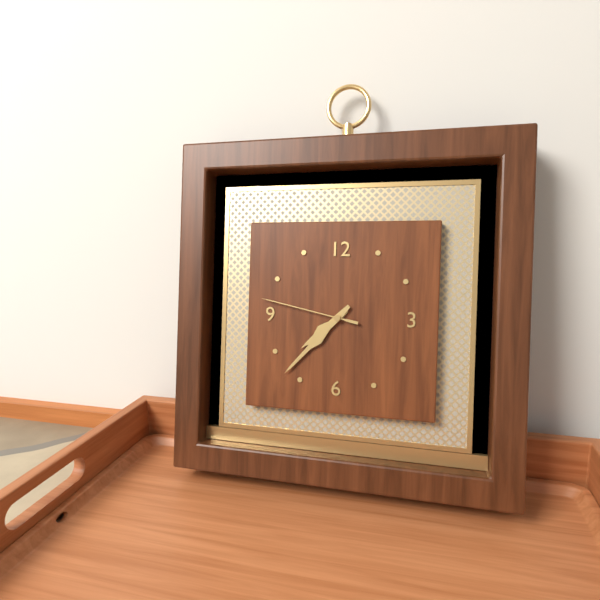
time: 7:37:47
